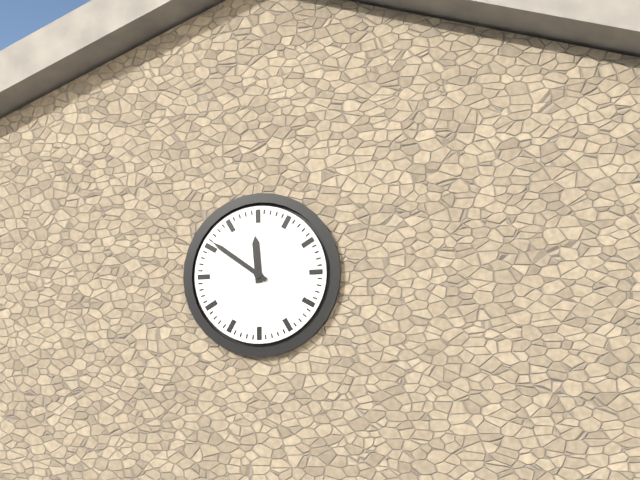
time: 11:51
